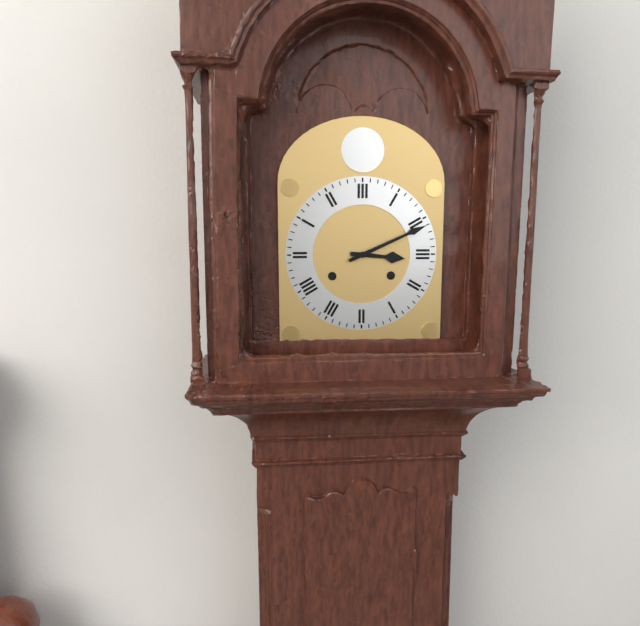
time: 3:11
